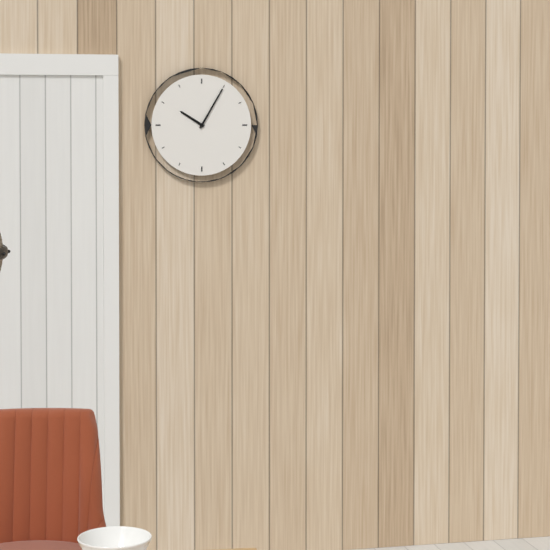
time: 10:05
